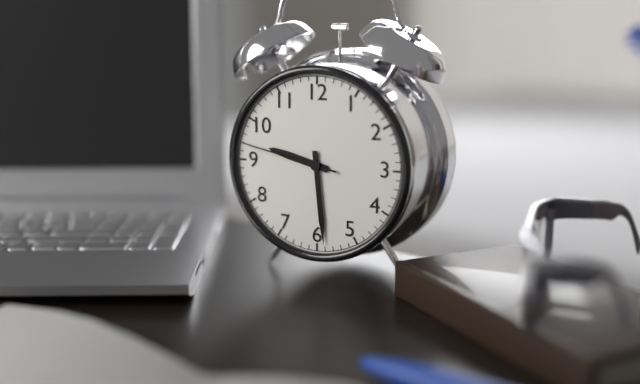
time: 9:29:47
